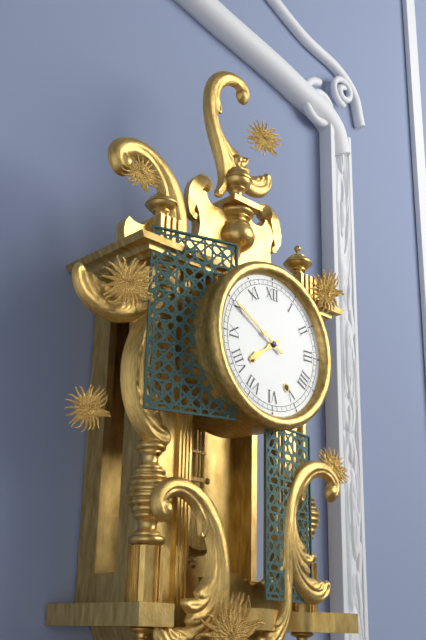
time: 7:50
